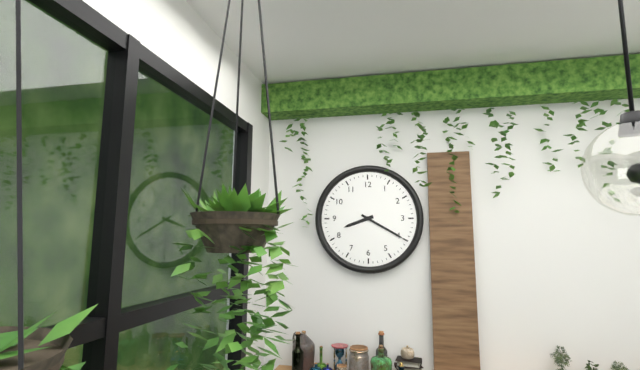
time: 8:20
